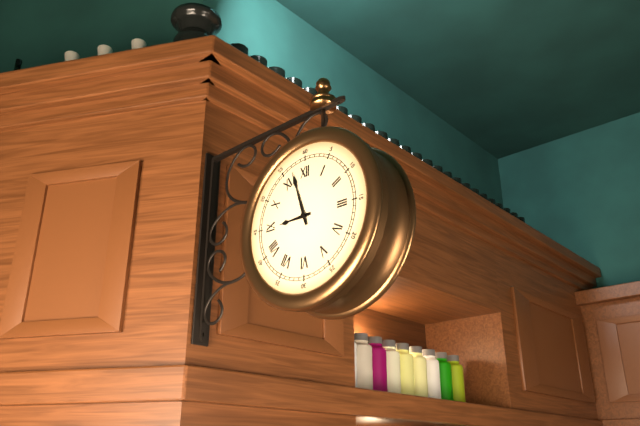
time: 8:57
